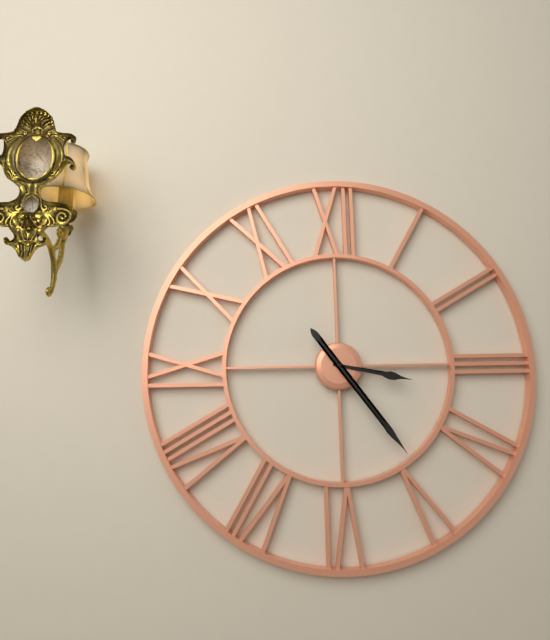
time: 3:24
